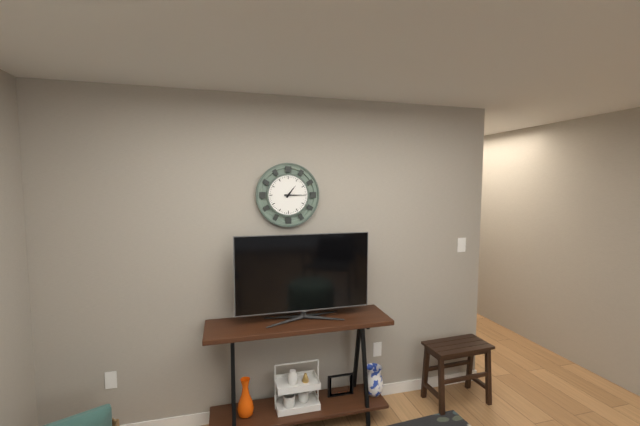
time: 1:15
